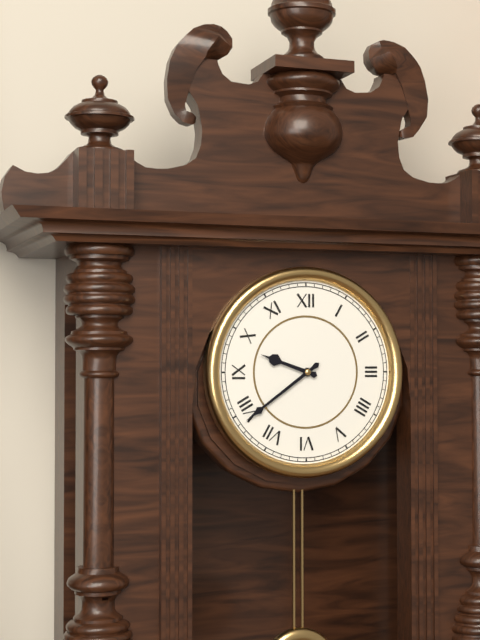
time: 9:39
